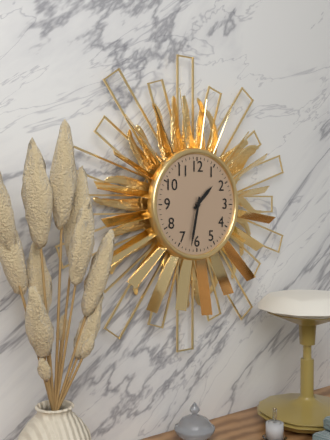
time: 1:32
